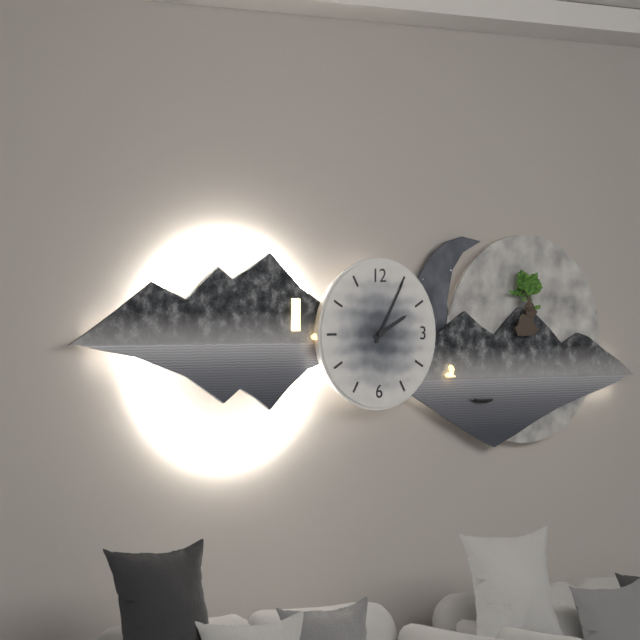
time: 2:05
